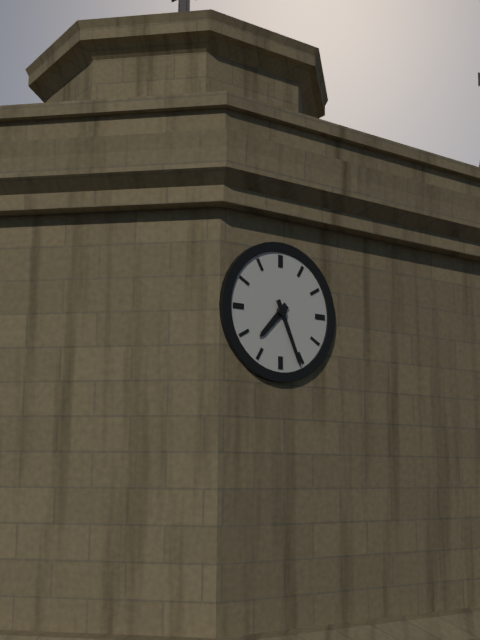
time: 7:26
